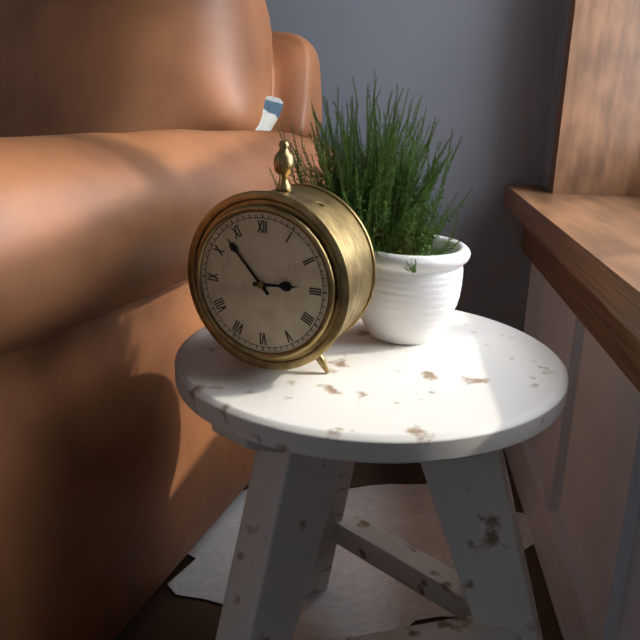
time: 2:53
